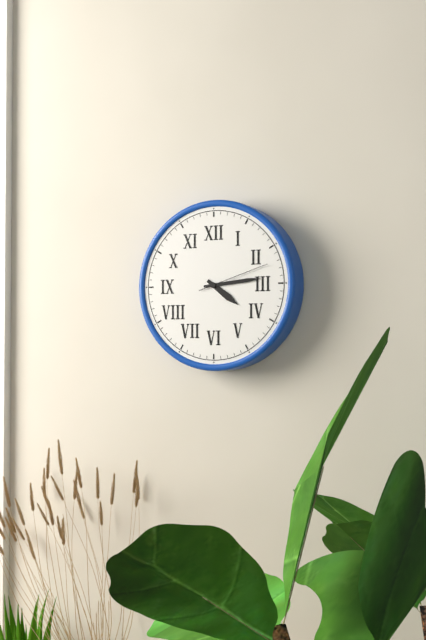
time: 4:14:12
